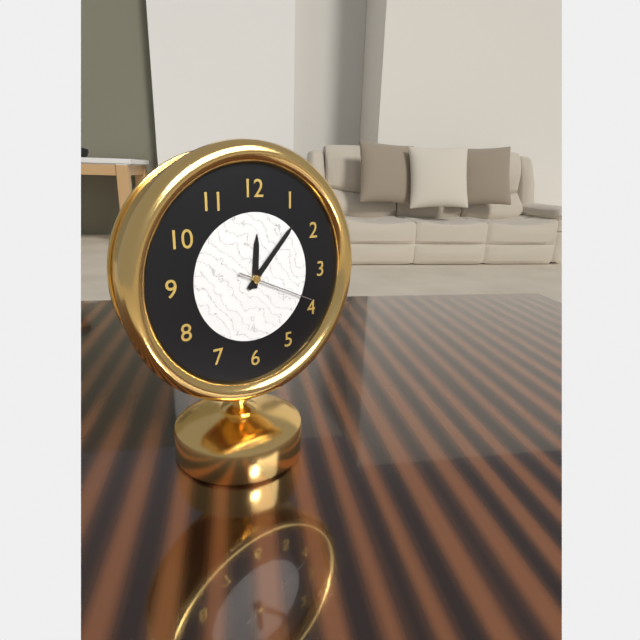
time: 12:07:19
